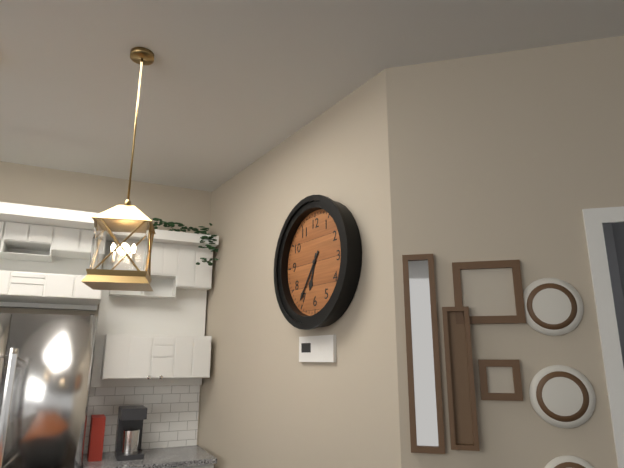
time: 6:36
